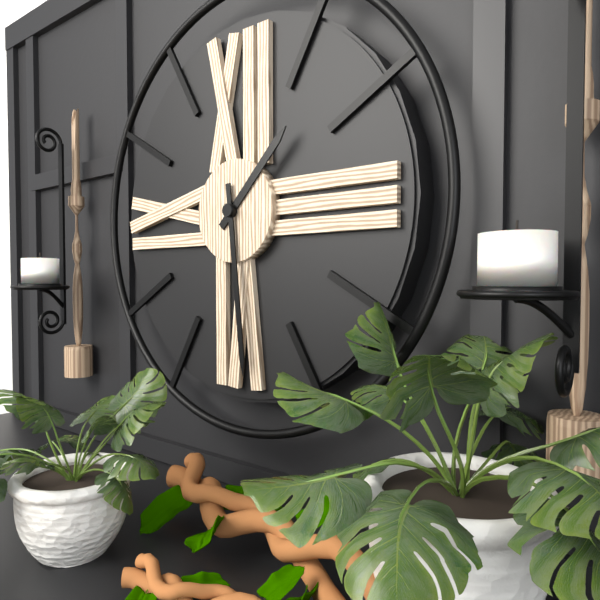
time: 1:29
